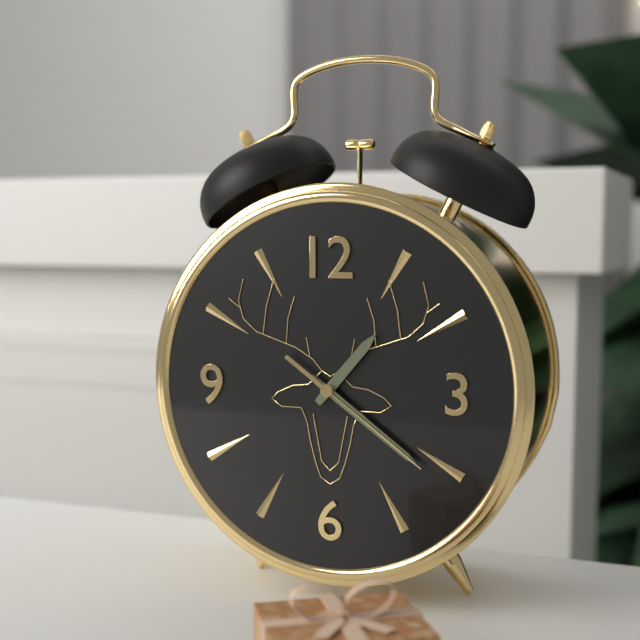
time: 1:21:21
